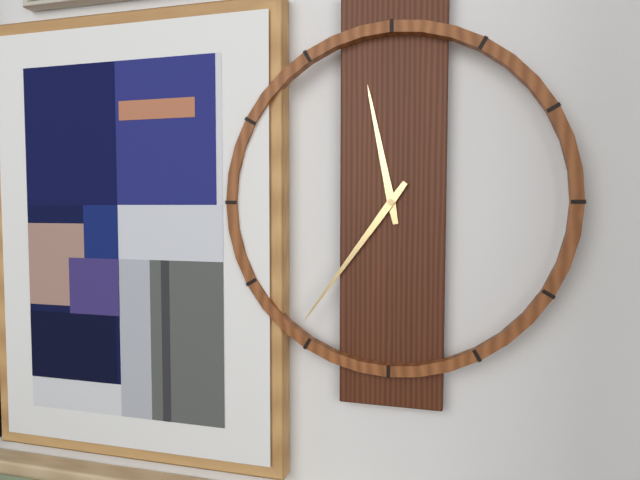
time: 11:36
